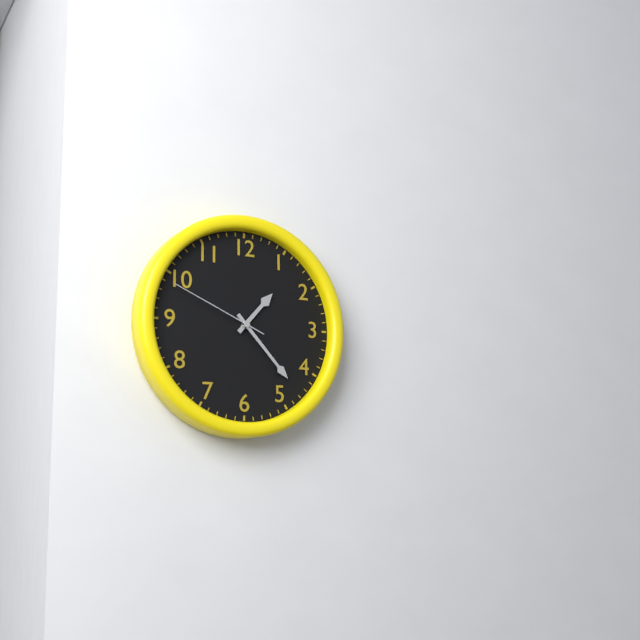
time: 1:23:49
